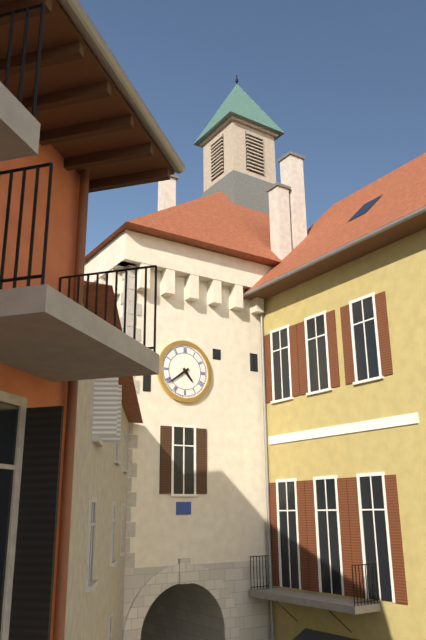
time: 4:39
